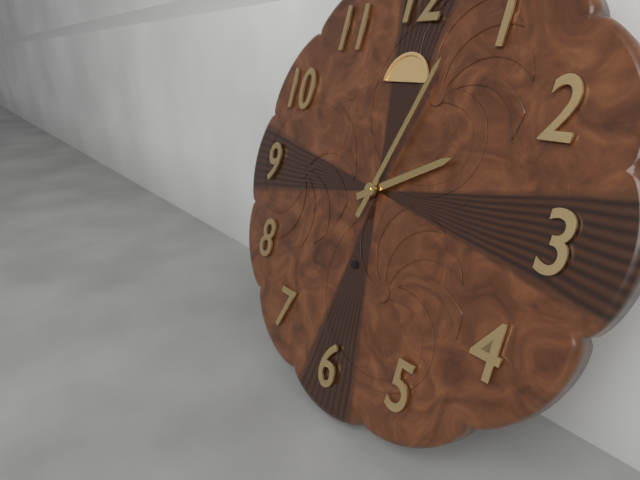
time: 2:03
